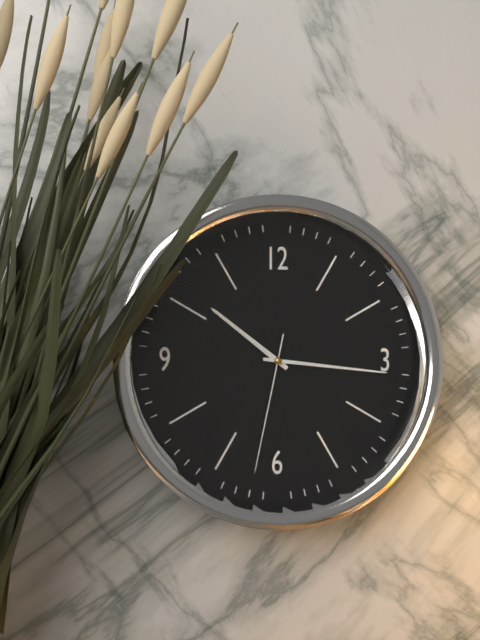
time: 10:16:32
